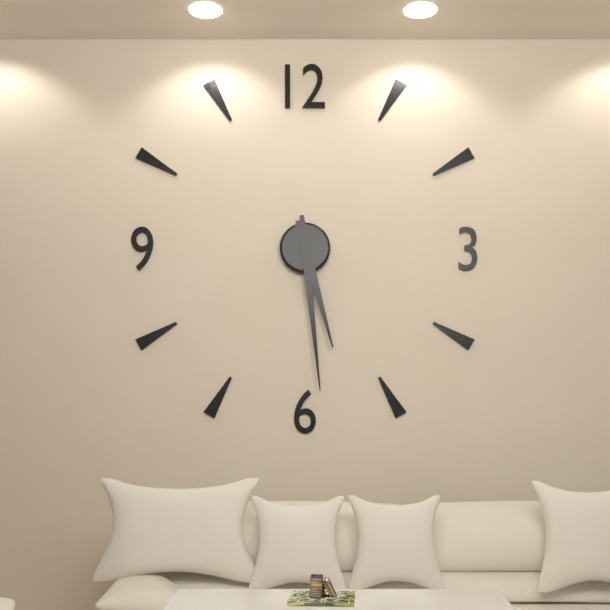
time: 5:29
